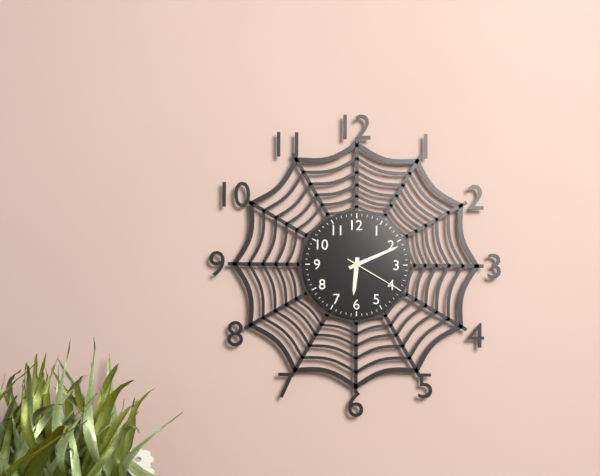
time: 6:11:20
